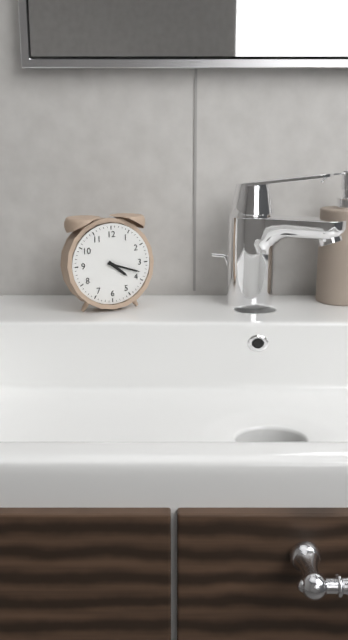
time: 4:18
